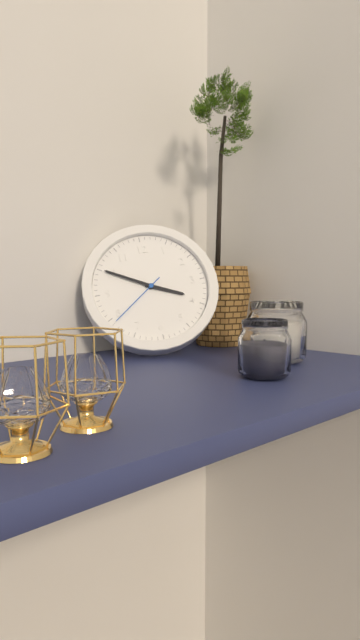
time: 3:50:39
